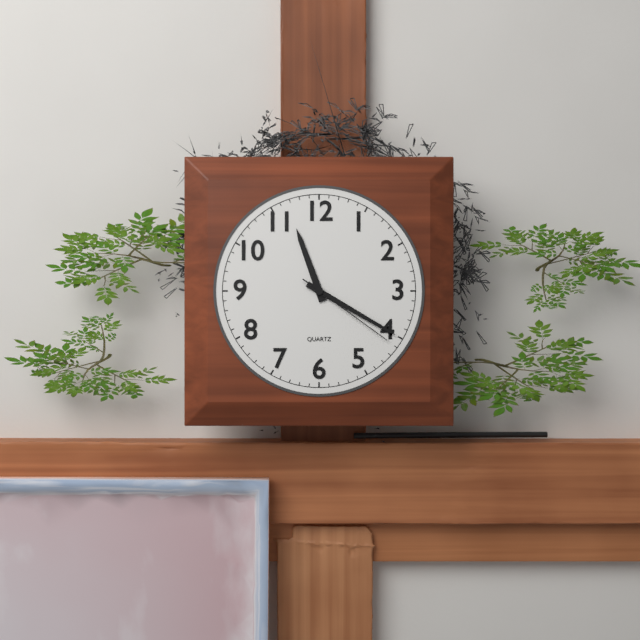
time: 11:20:21
